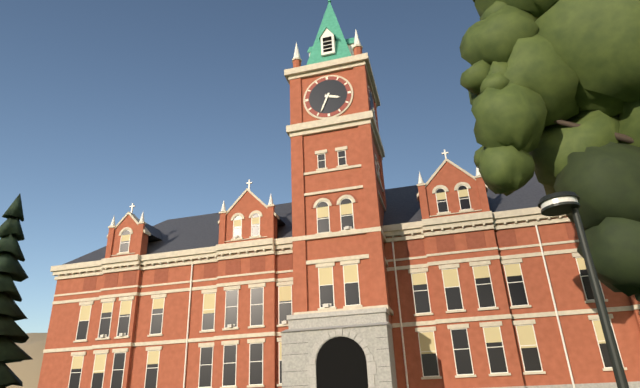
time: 3:34
